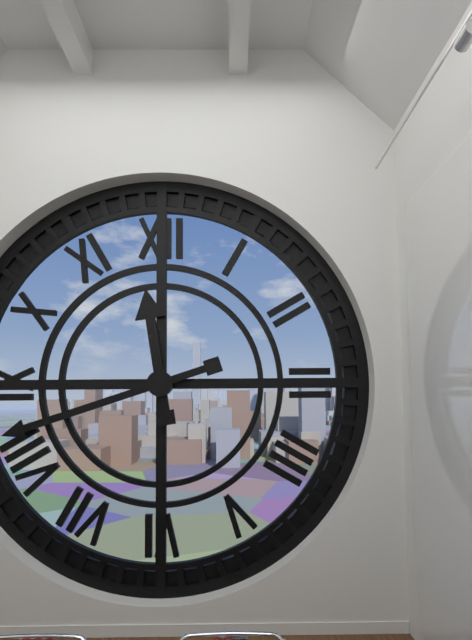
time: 11:42
